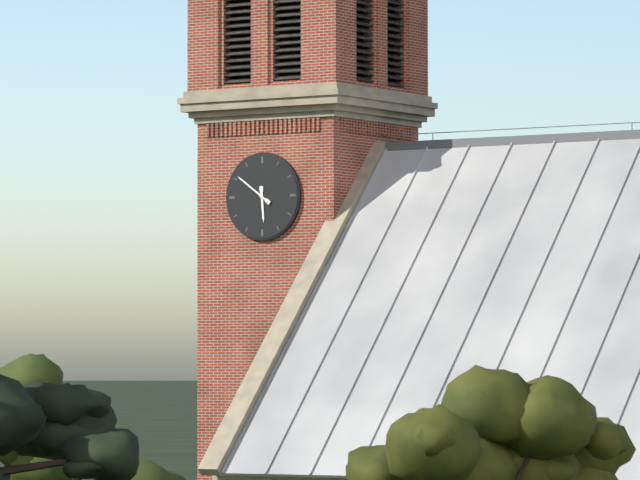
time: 5:51
